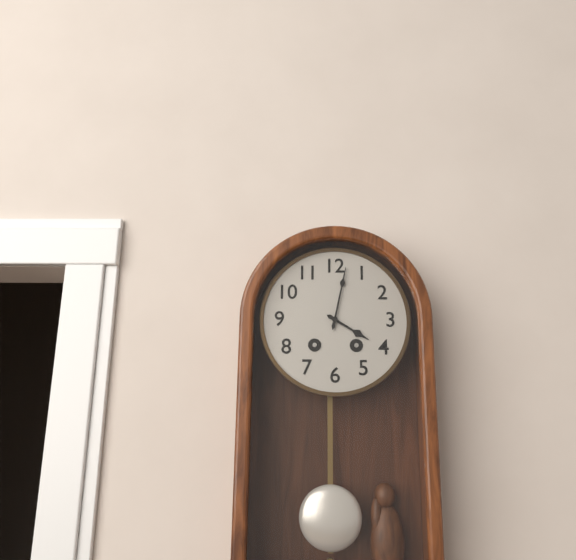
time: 4:02
